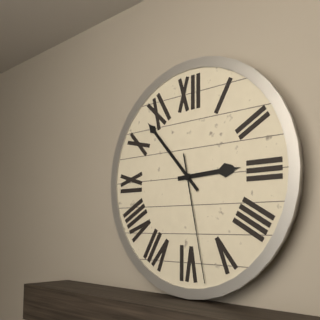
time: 2:53:28
